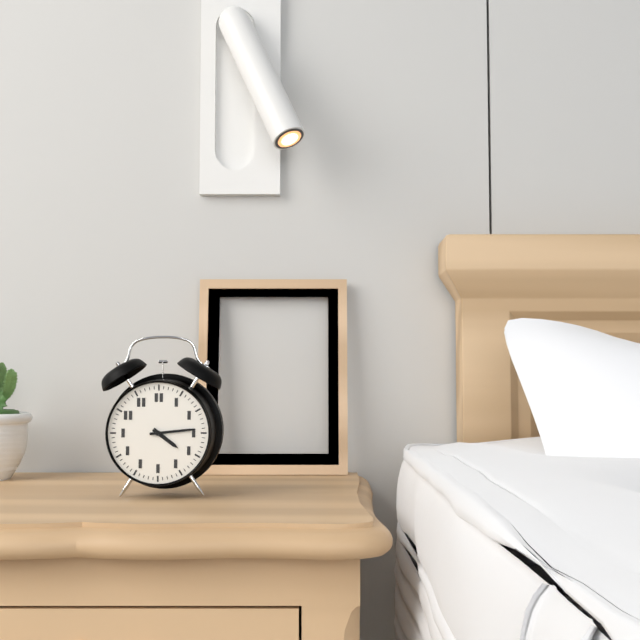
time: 4:14
